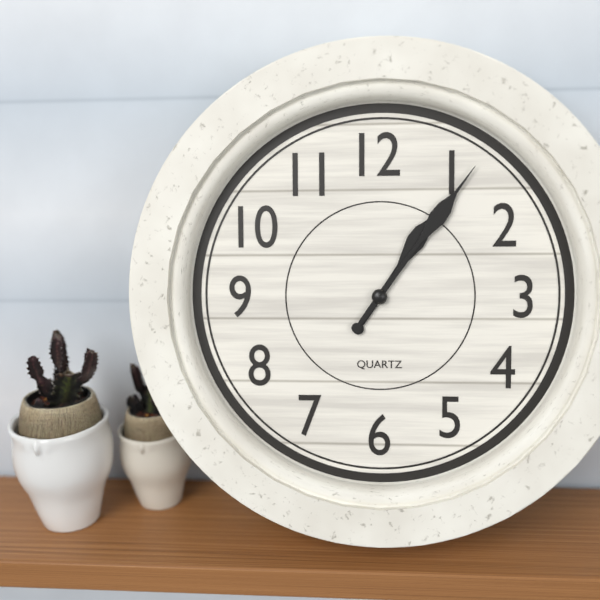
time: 1:06
